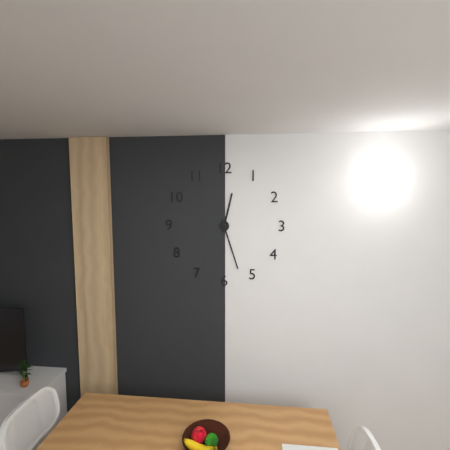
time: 12:27
